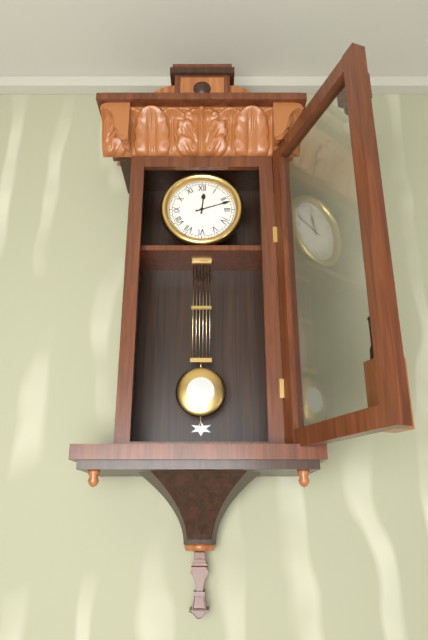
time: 12:12
